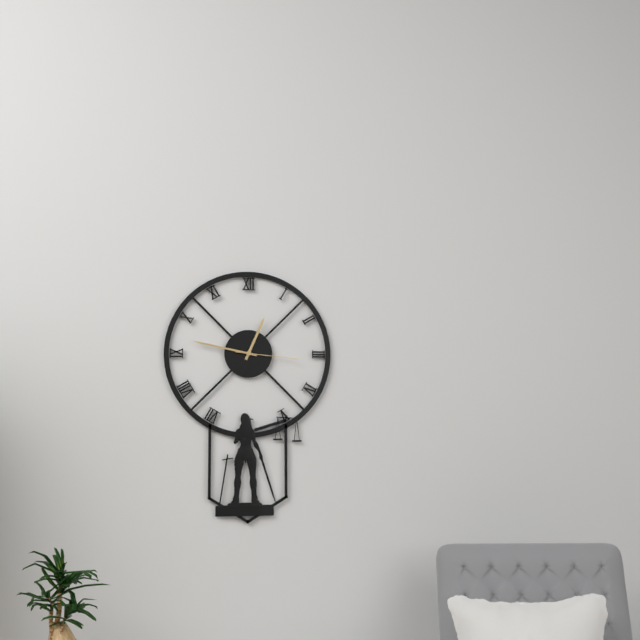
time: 12:47:16
